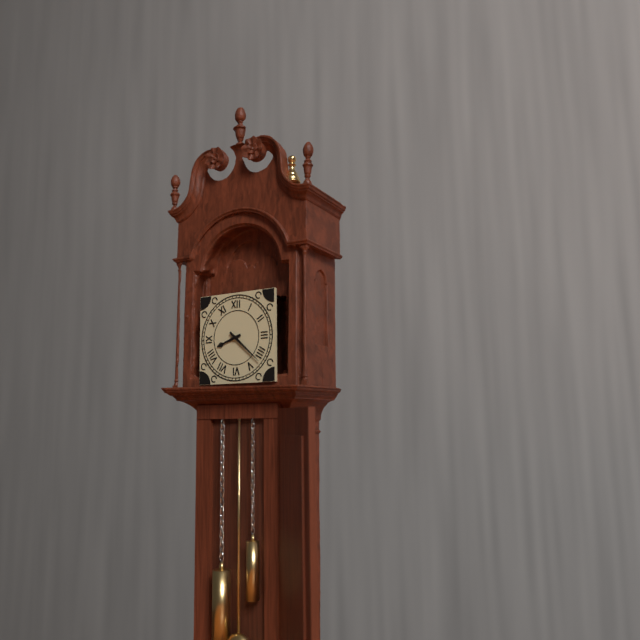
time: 8:22
